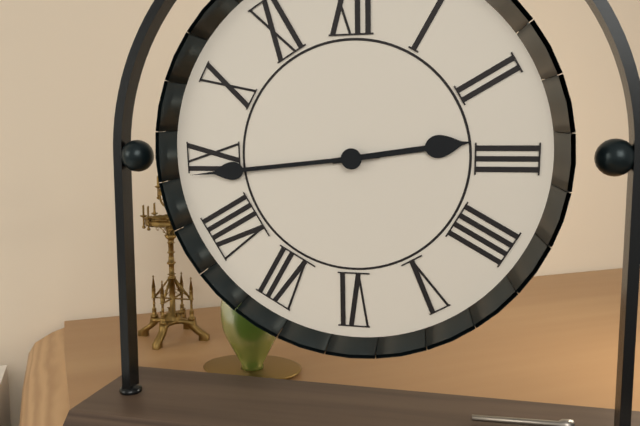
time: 2:44
